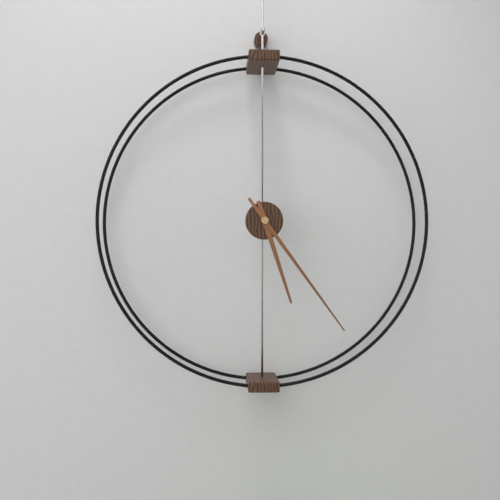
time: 5:24
